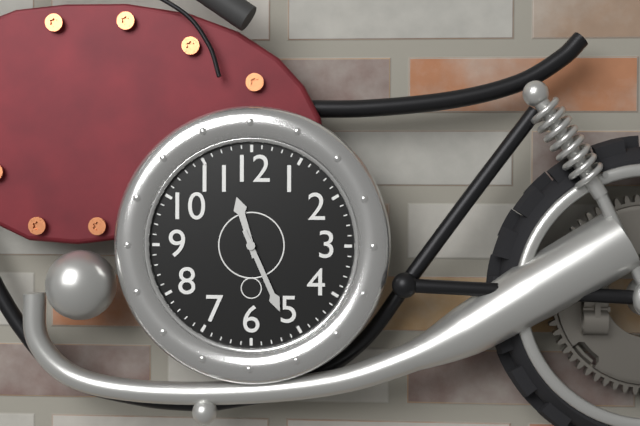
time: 11:26
